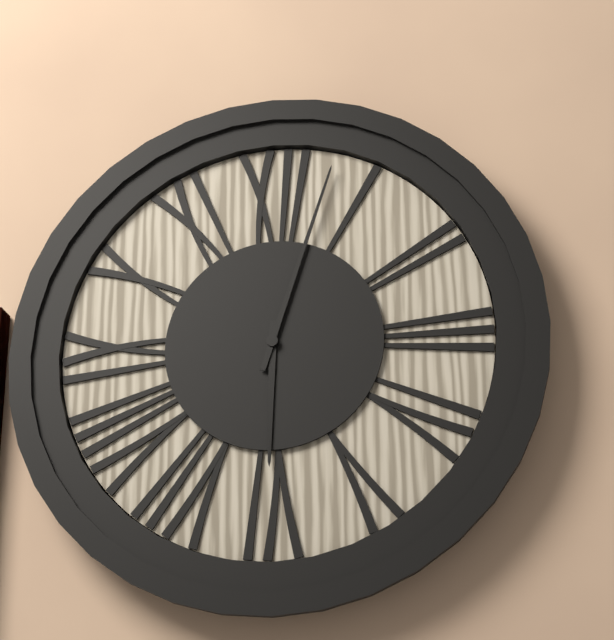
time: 6:03
